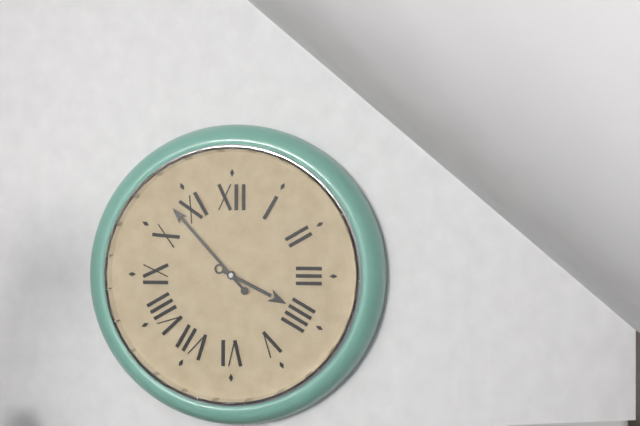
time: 3:53
